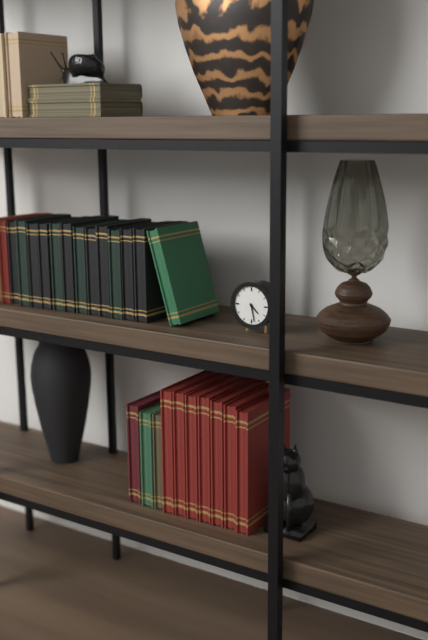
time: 4:28
